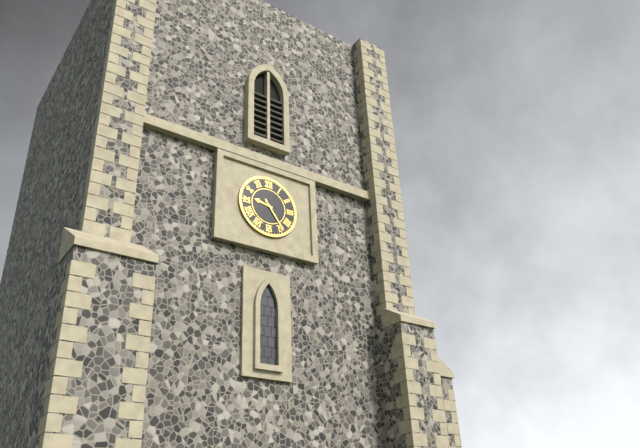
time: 9:24
